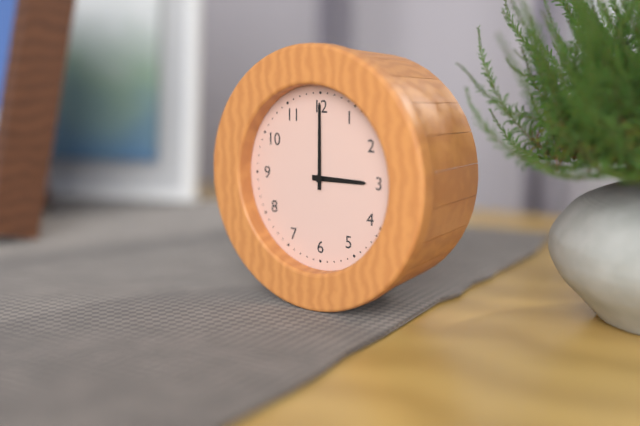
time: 3:00
